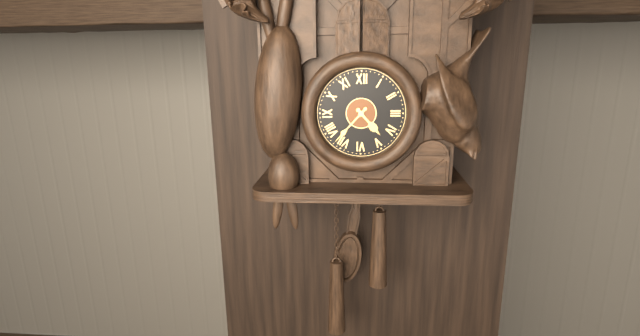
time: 4:37
